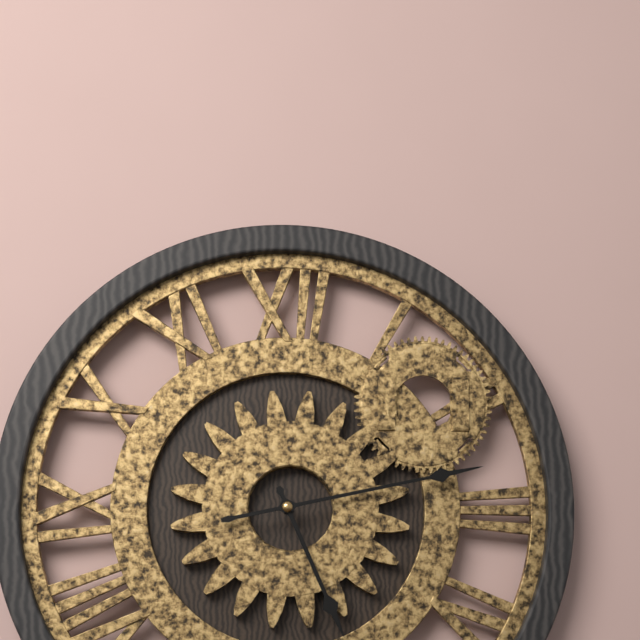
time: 5:13
